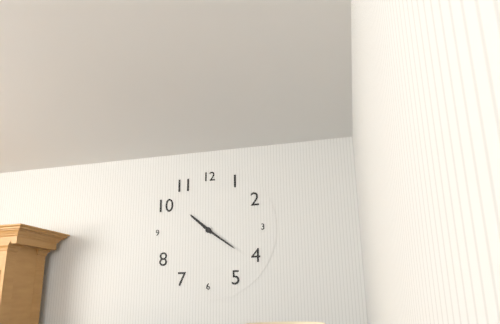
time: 10:21
